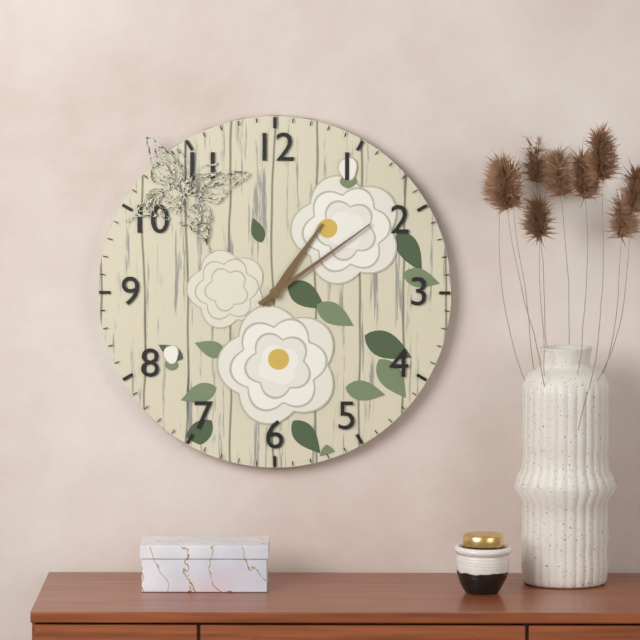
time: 1:09
